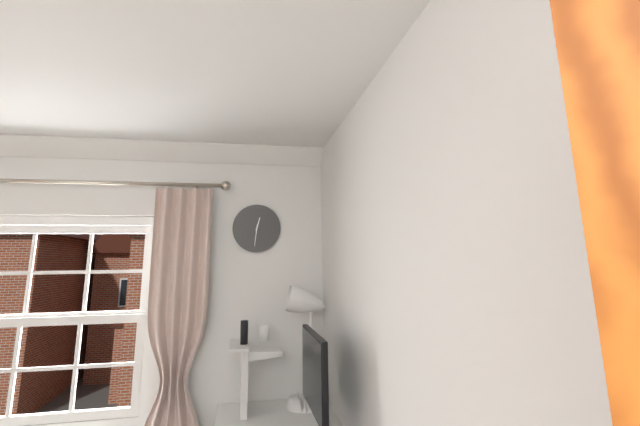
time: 12:31
